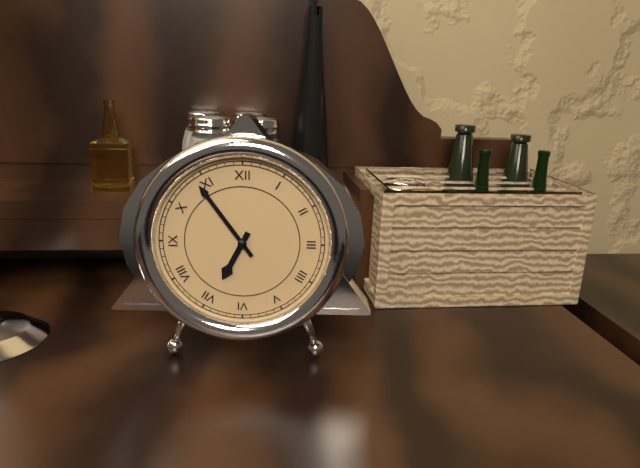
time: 6:54
